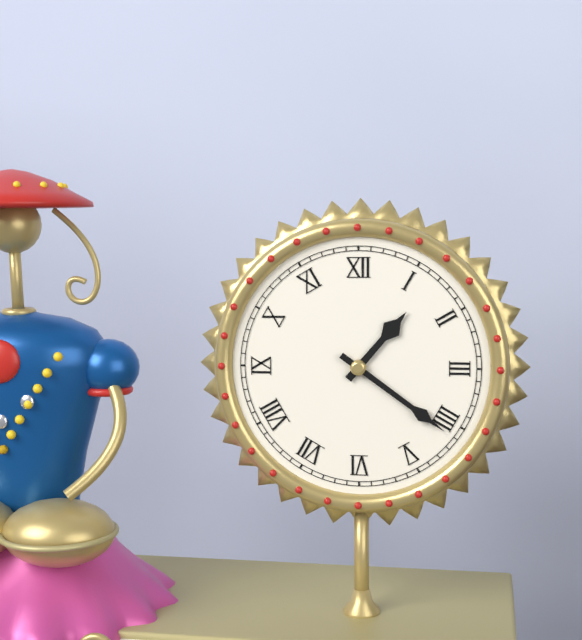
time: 1:21
